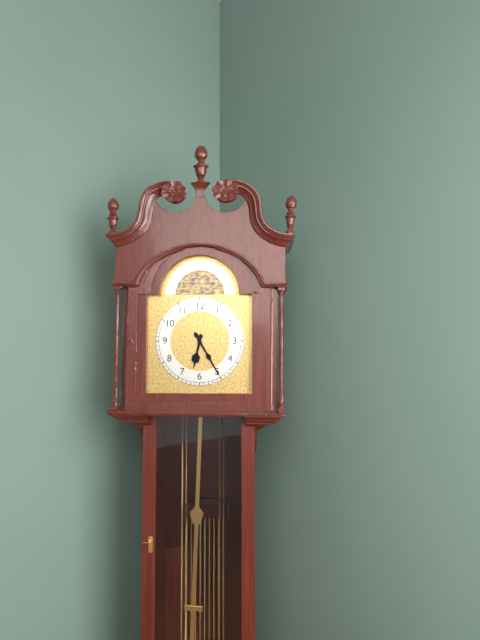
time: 6:25
